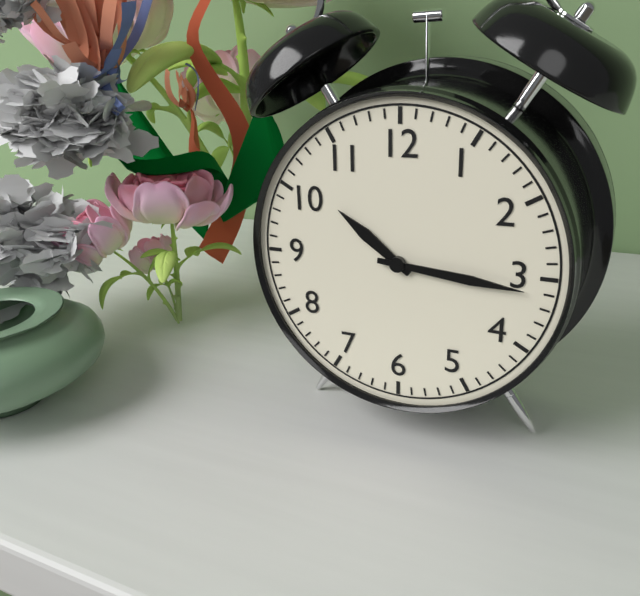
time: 10:16
